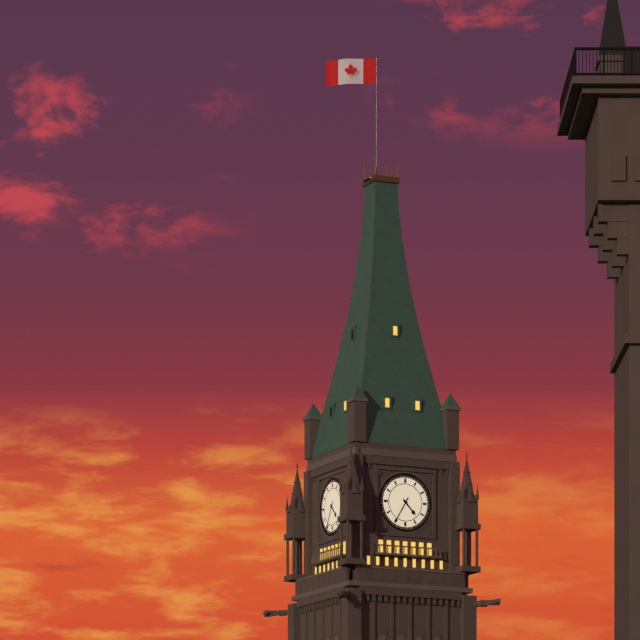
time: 4:35
